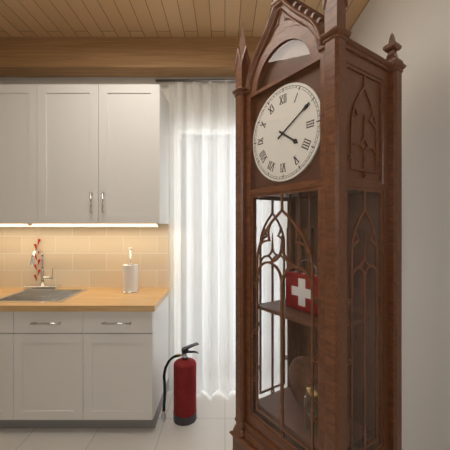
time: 4:10
